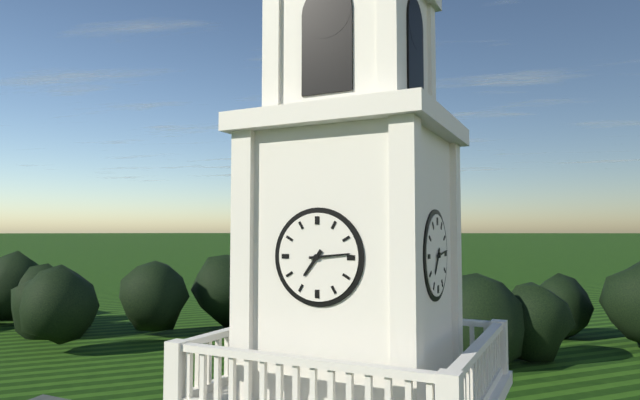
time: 7:14
